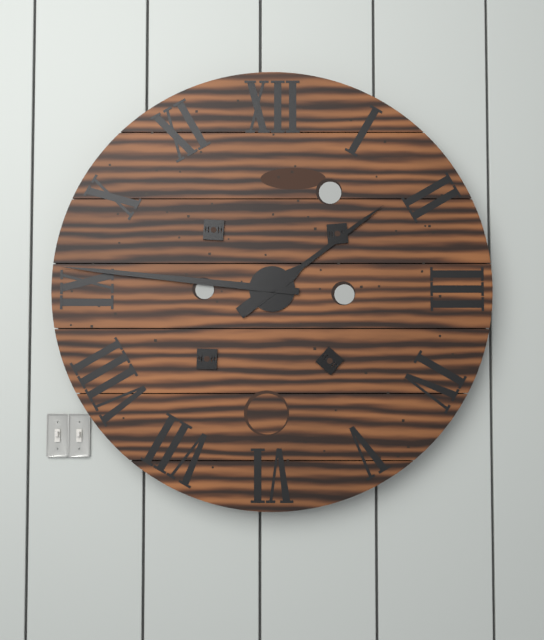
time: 1:46
